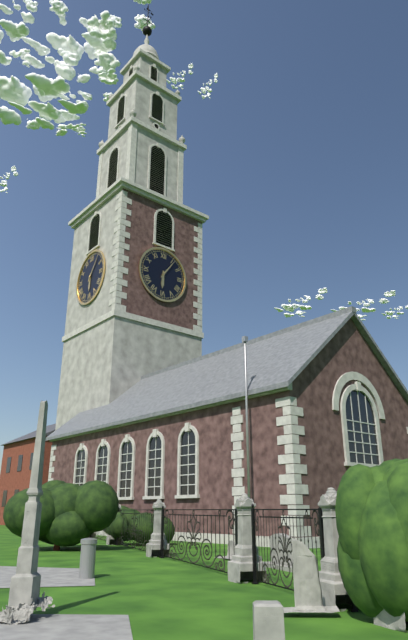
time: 6:06
